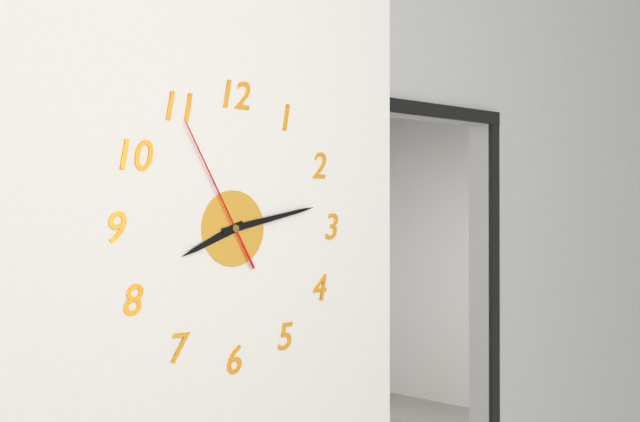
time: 8:13:55
